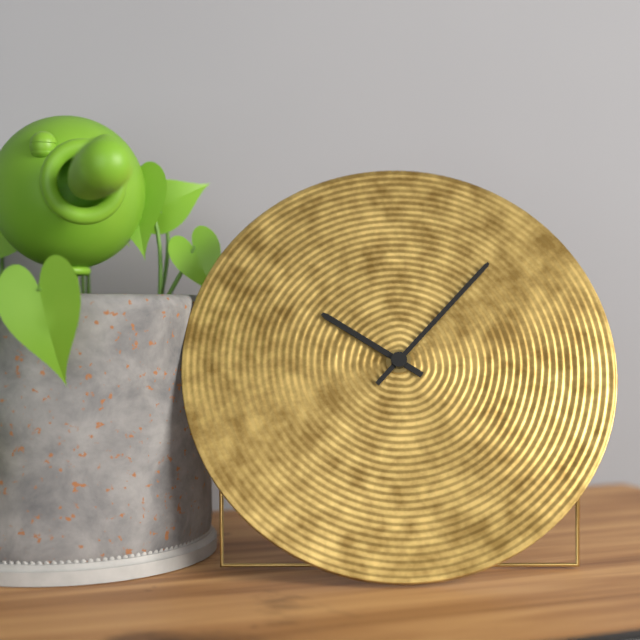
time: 10:07
